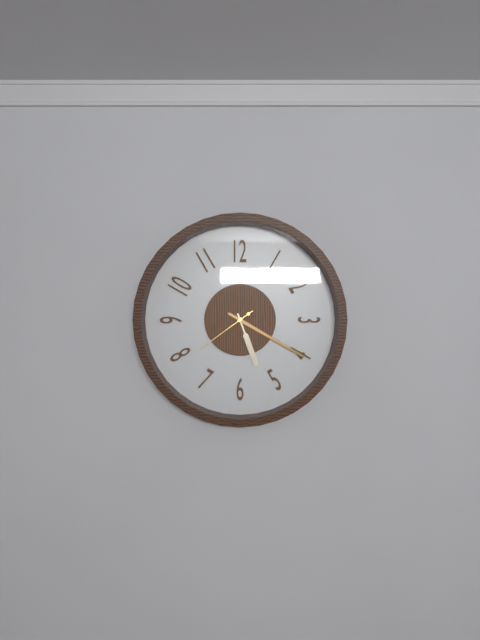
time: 5:20:39
